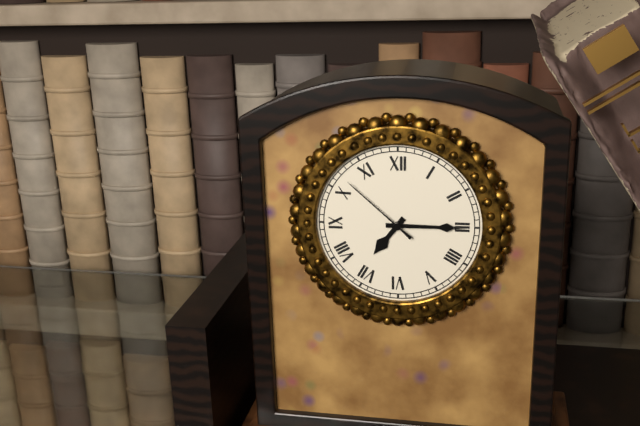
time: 7:15:52
